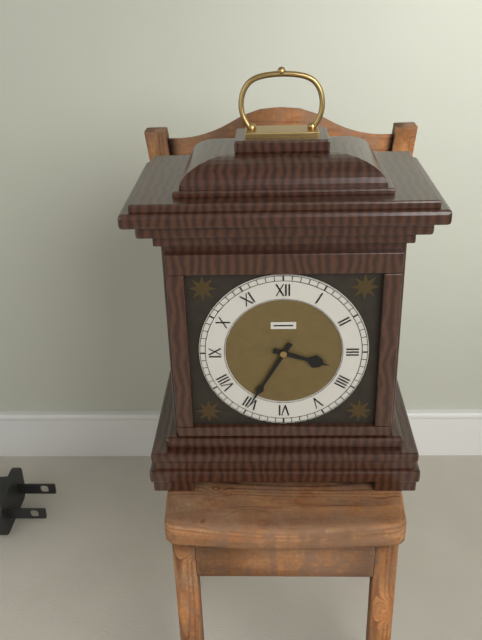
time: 3:35
